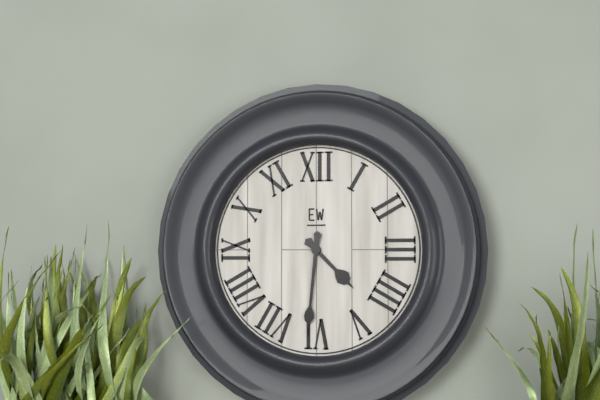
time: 4:31
